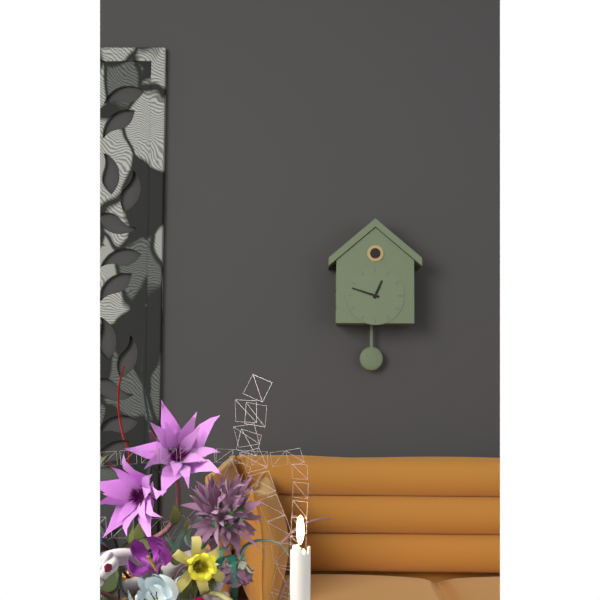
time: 12:48
